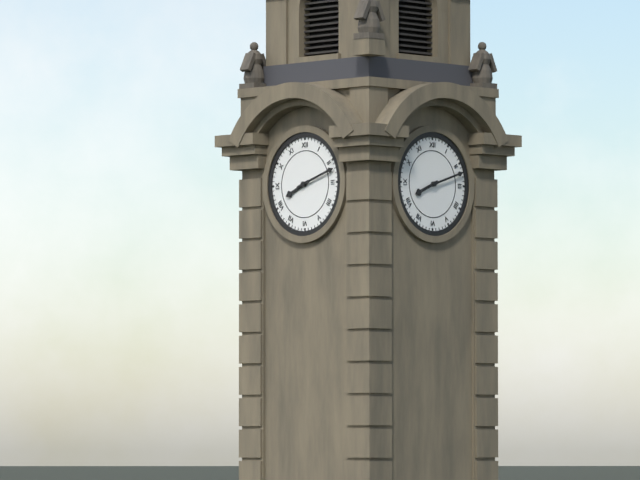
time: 8:12
